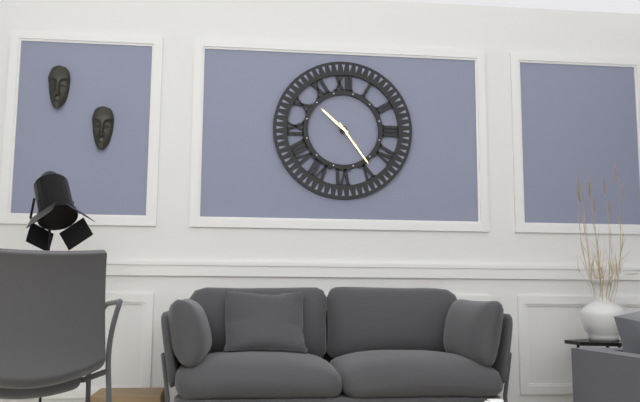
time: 10:24
